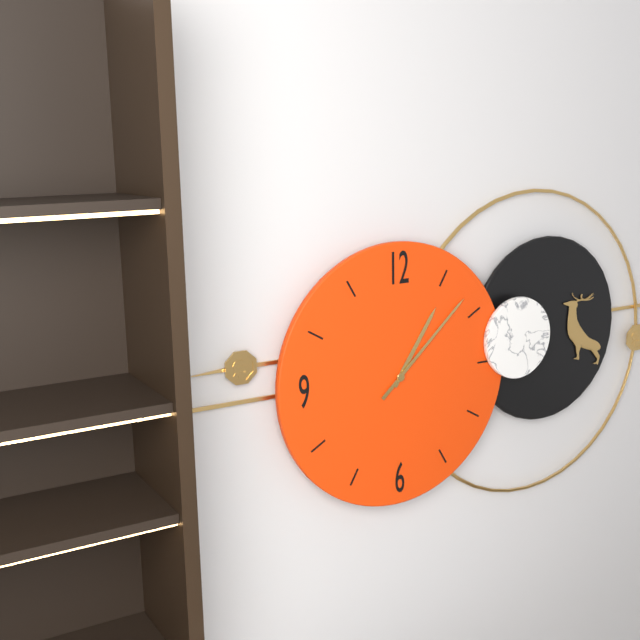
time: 1:08
